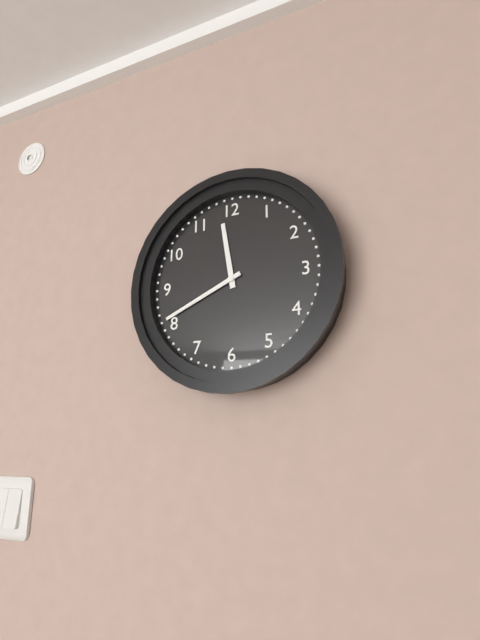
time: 11:41
